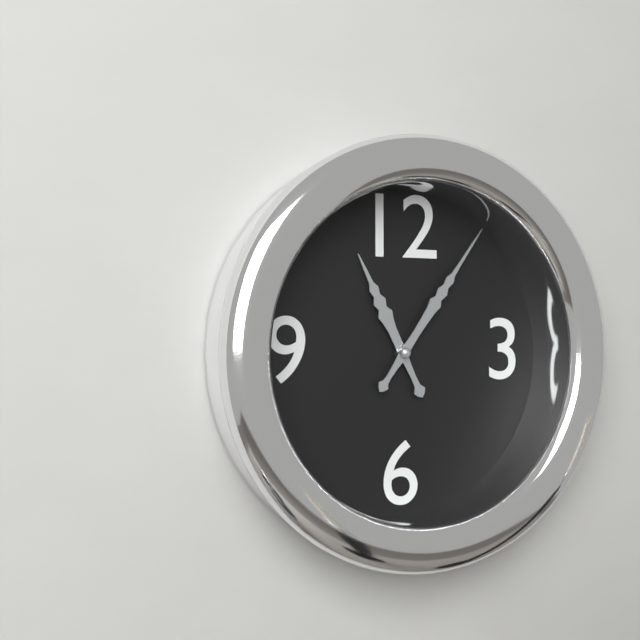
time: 11:06
